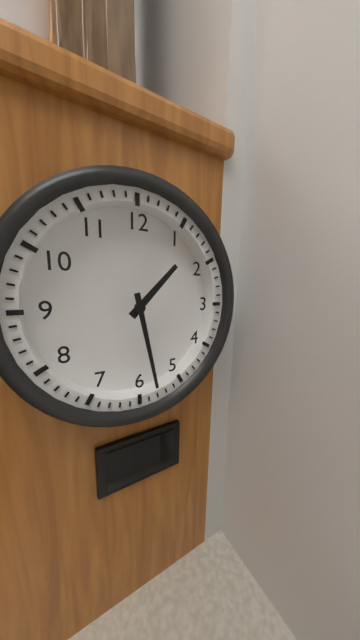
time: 1:28
